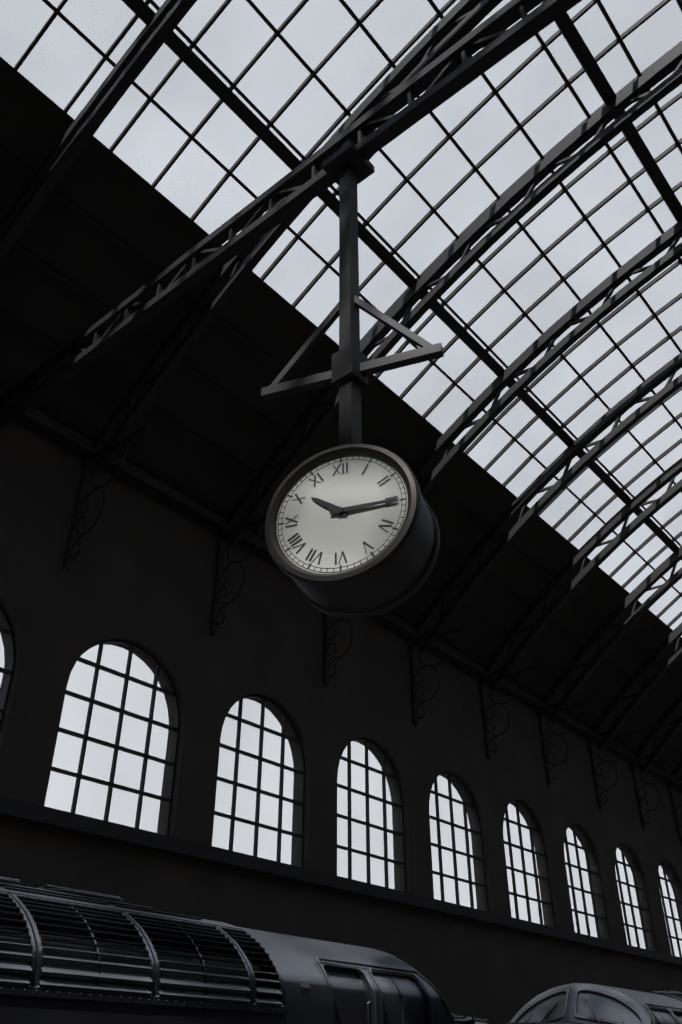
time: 10:15
